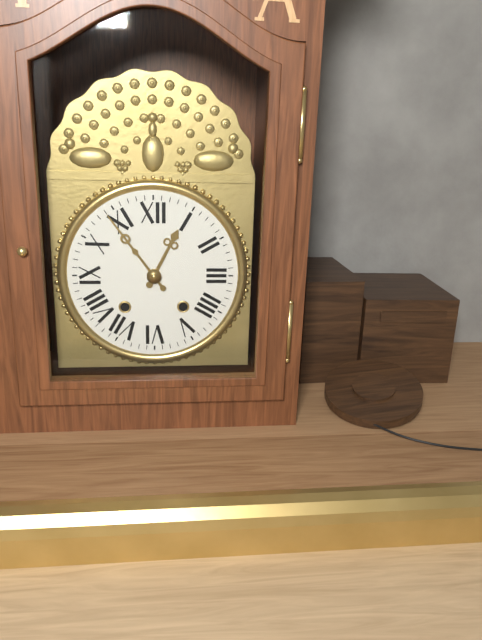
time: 12:54
